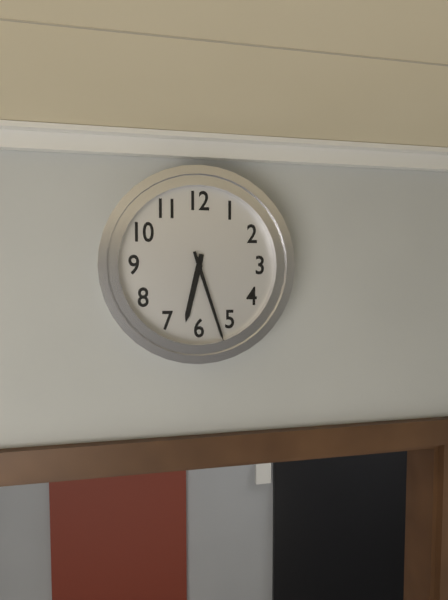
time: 6:27
